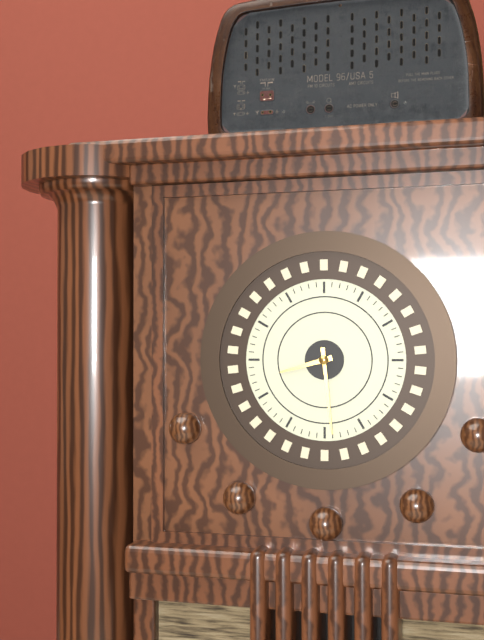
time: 8:29
